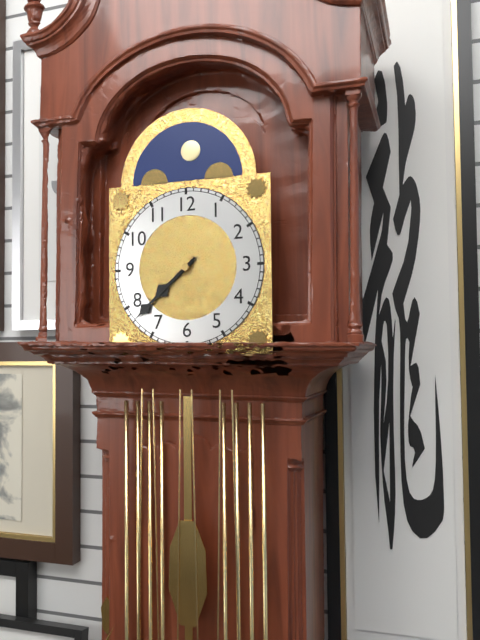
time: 7:38
